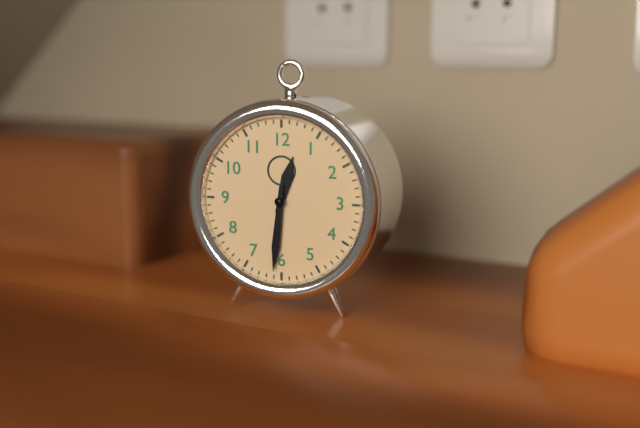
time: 12:31
